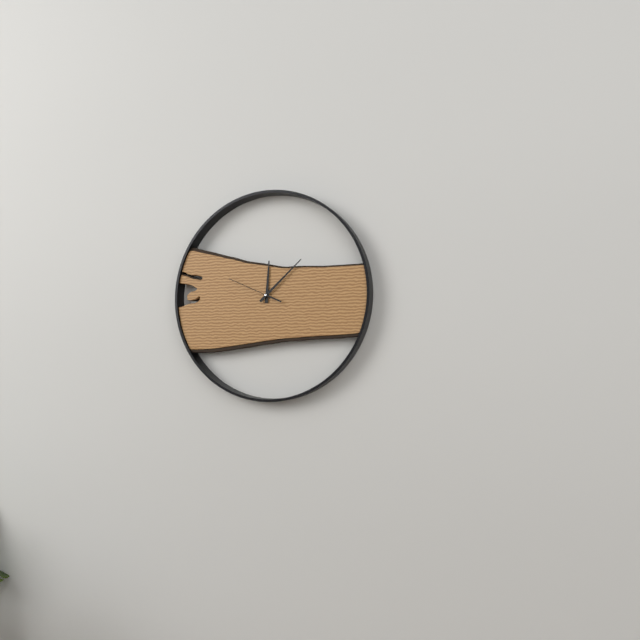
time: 12:08:49
